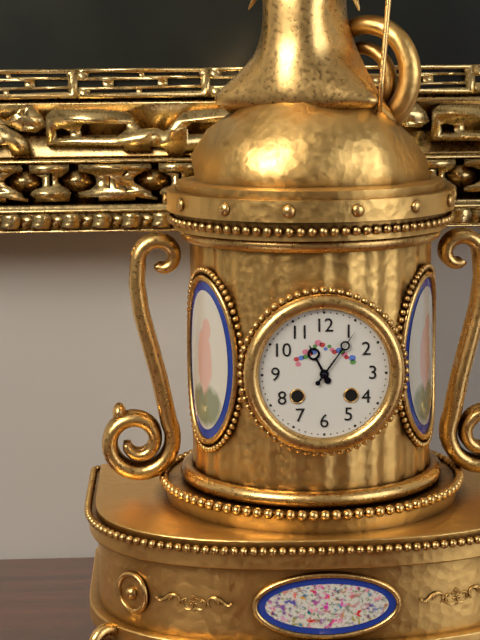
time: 11:06
